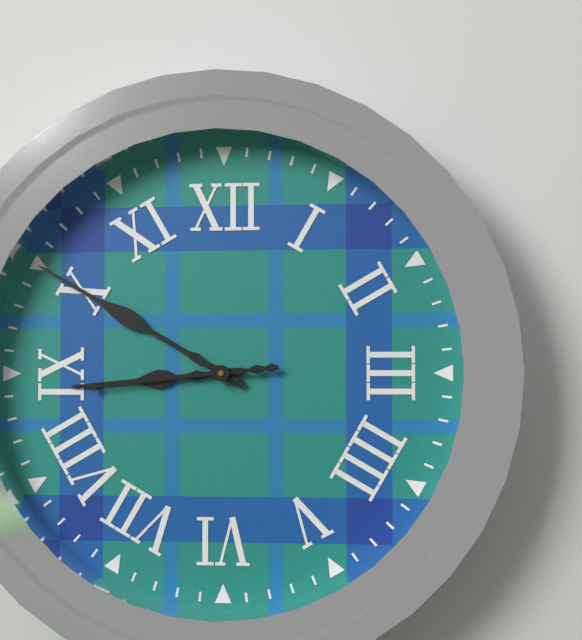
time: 8:50:44
